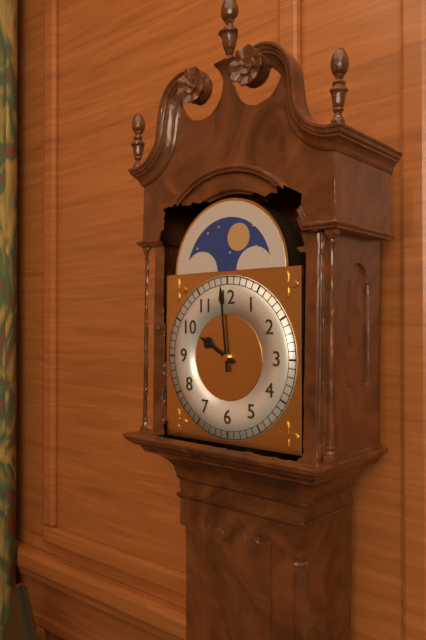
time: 9:59
